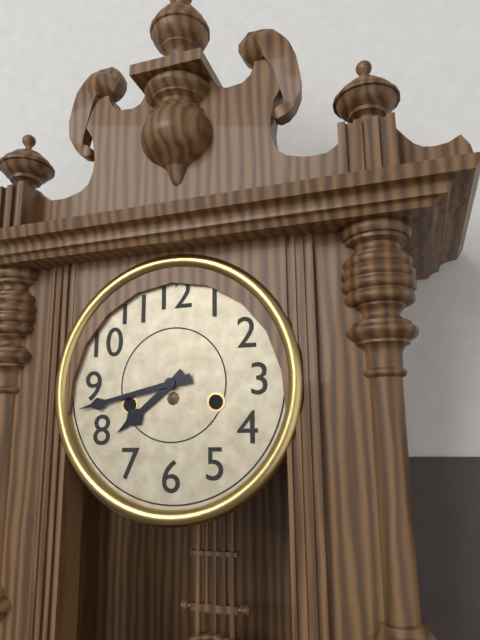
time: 7:43
